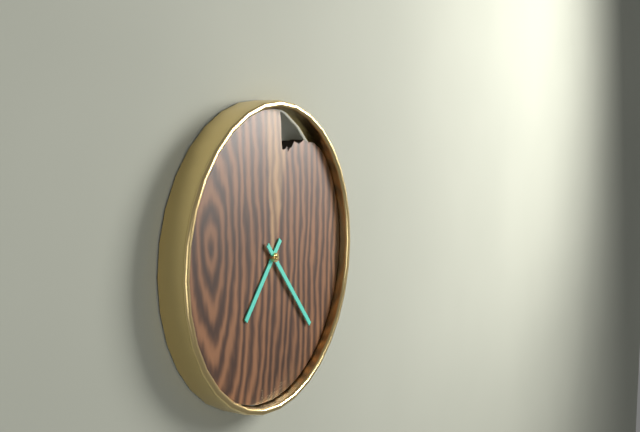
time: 7:23
